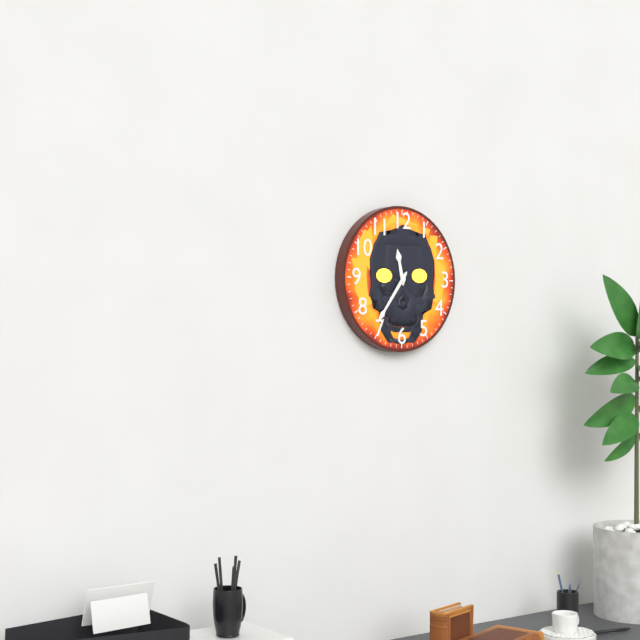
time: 11:36
